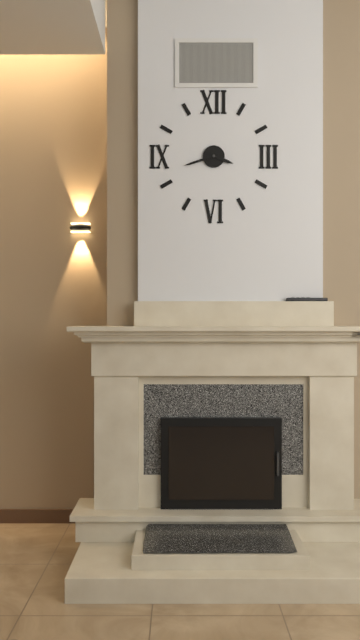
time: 3:42
